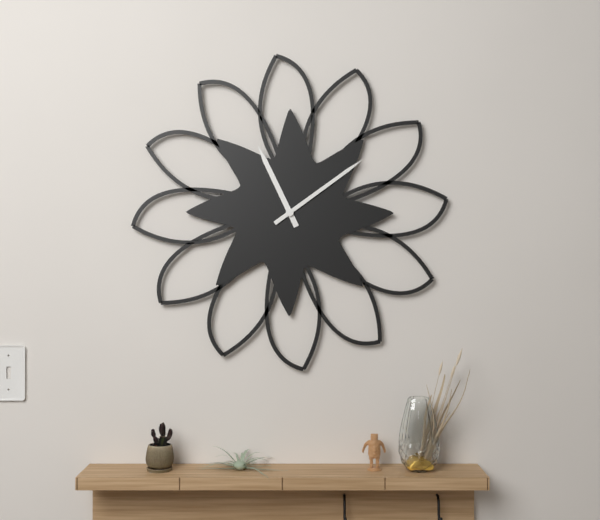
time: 11:09
